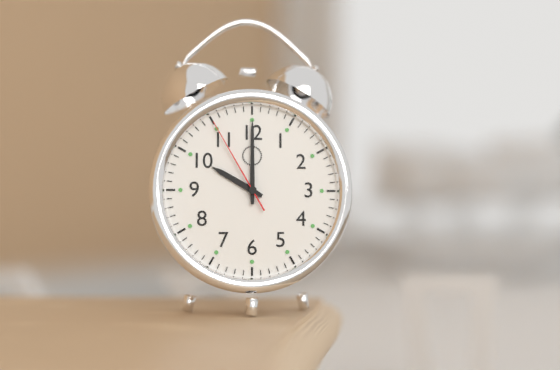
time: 10:00:55
